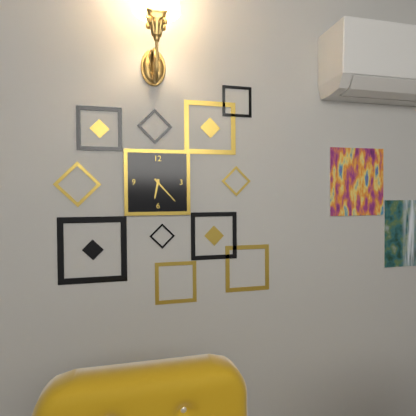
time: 6:23
